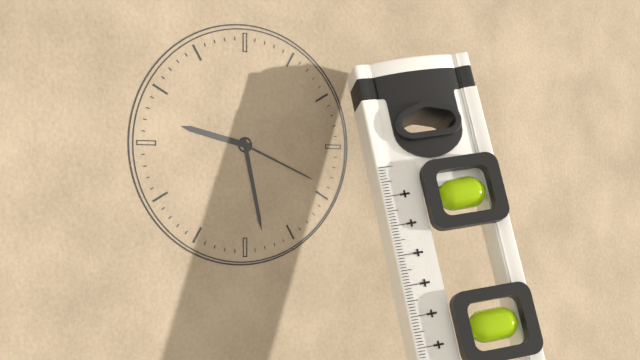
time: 9:28:19
